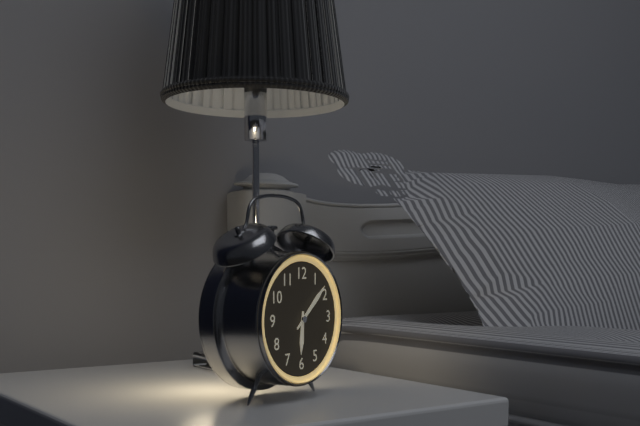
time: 6:08
